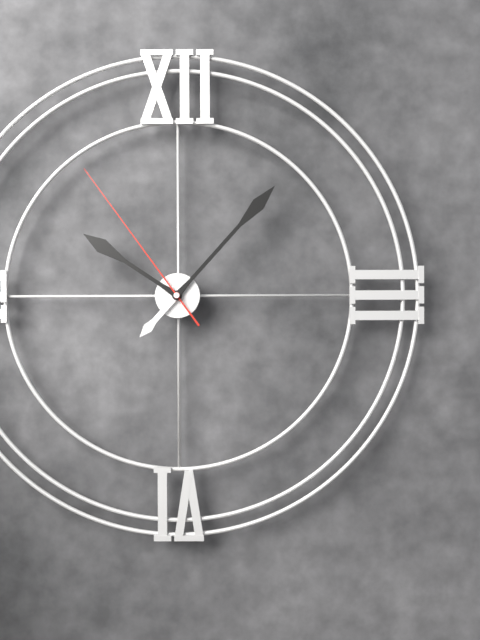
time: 10:07:54
